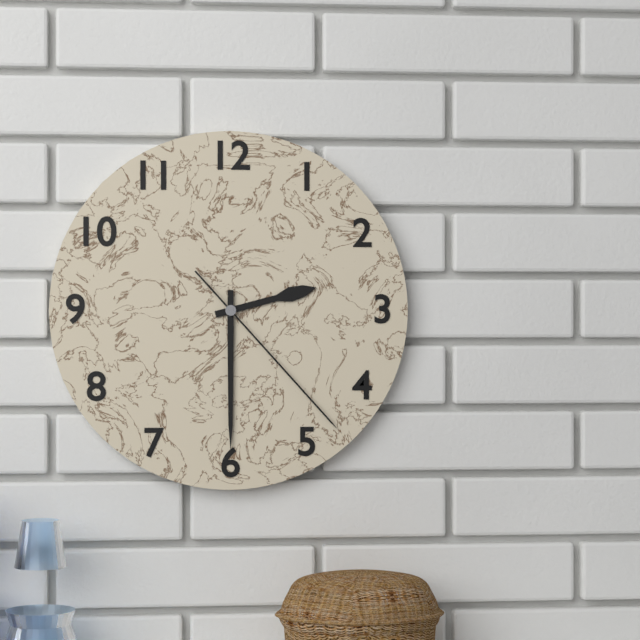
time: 2:30:23
